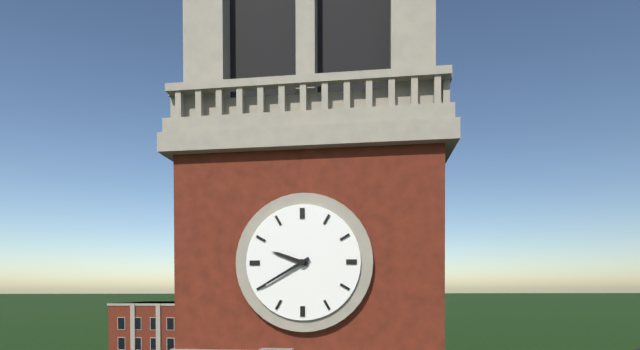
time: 9:40
